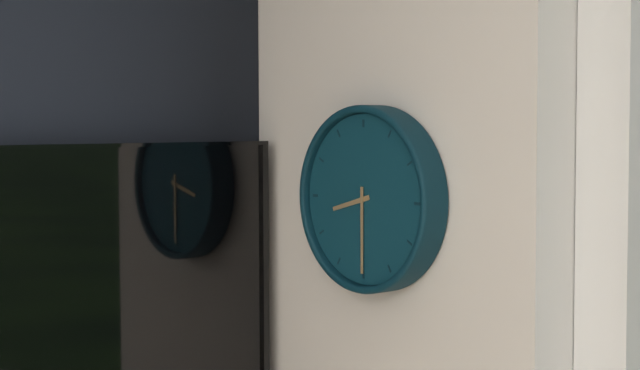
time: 8:30
